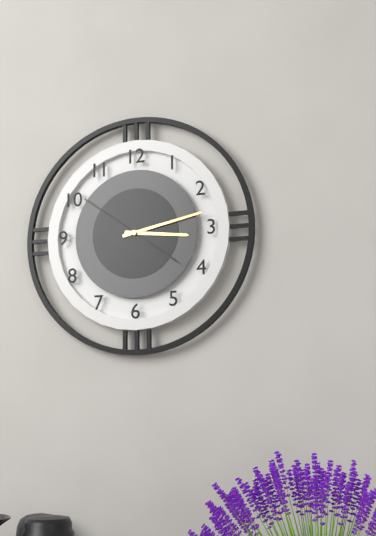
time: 3:13:51
